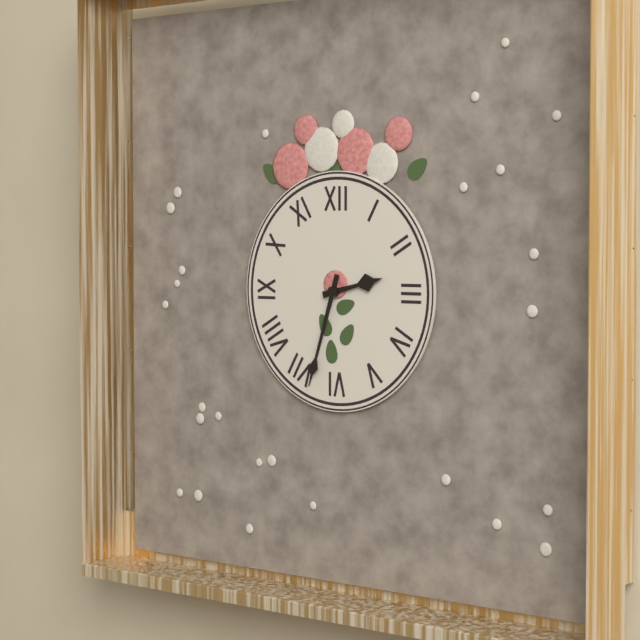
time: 2:33
